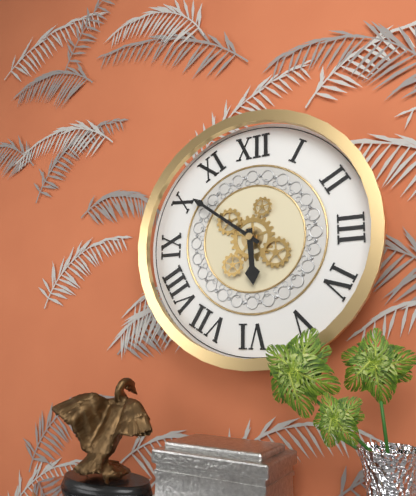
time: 5:51
